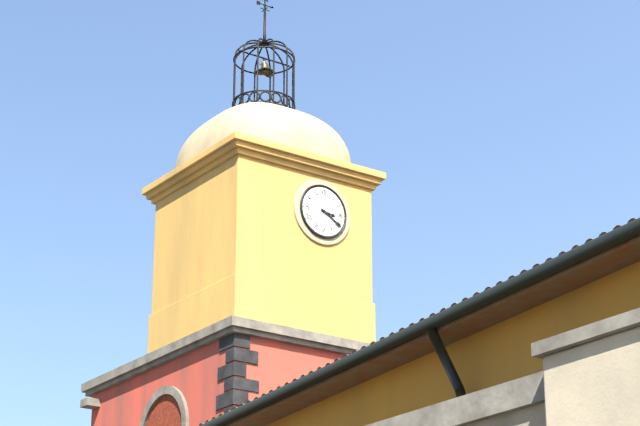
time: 3:20
